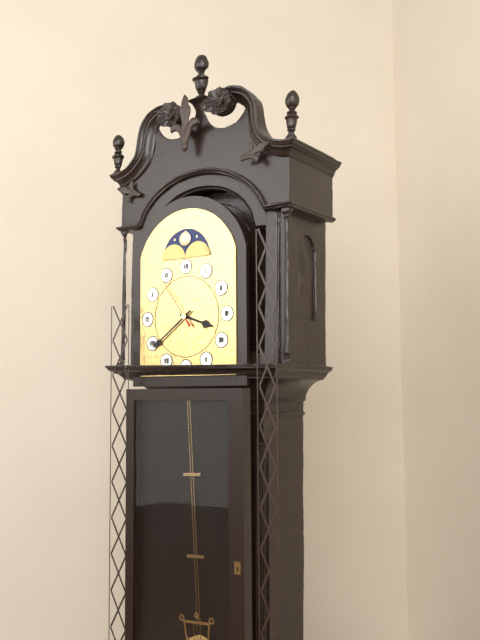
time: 3:39:54
